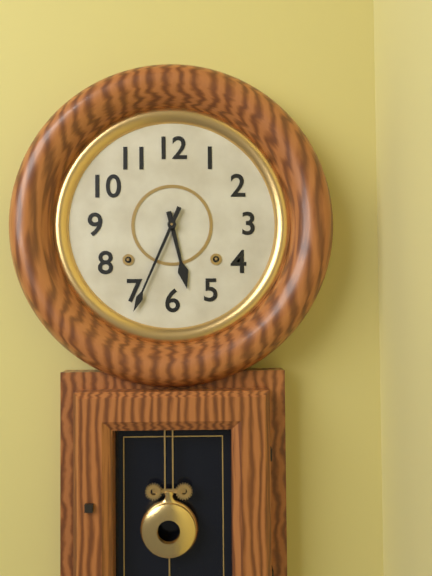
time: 5:34
